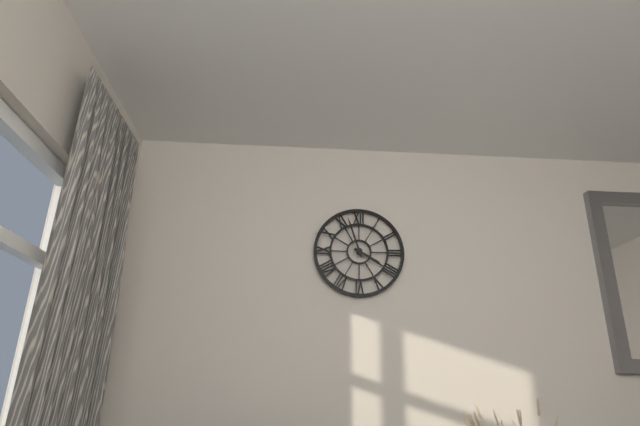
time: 3:57
